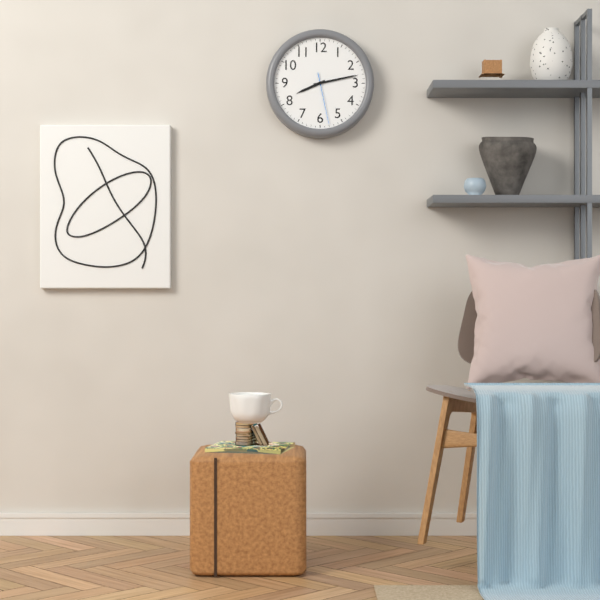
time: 8:13:28
